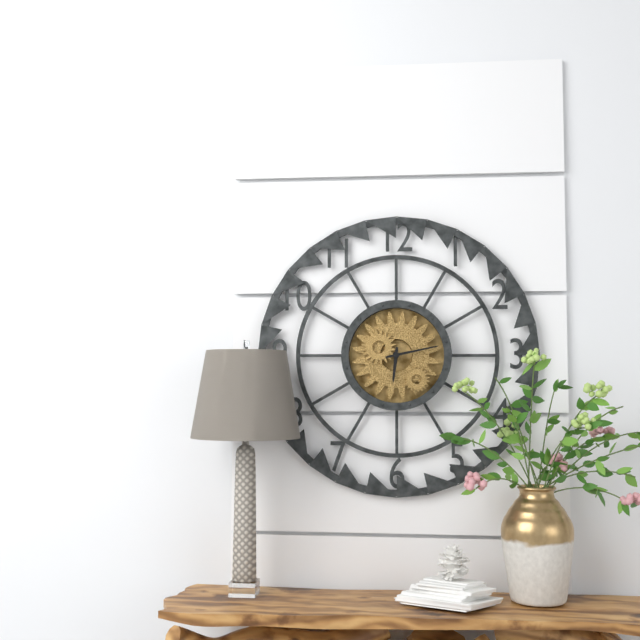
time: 6:13
